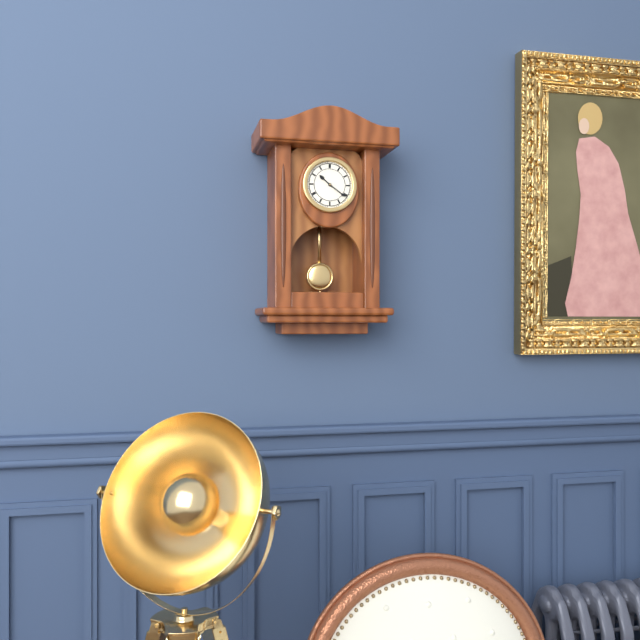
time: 10:21
